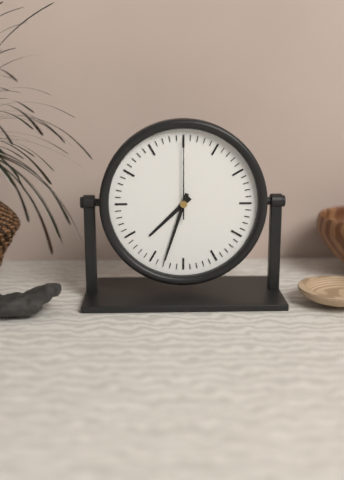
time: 7:33:00
